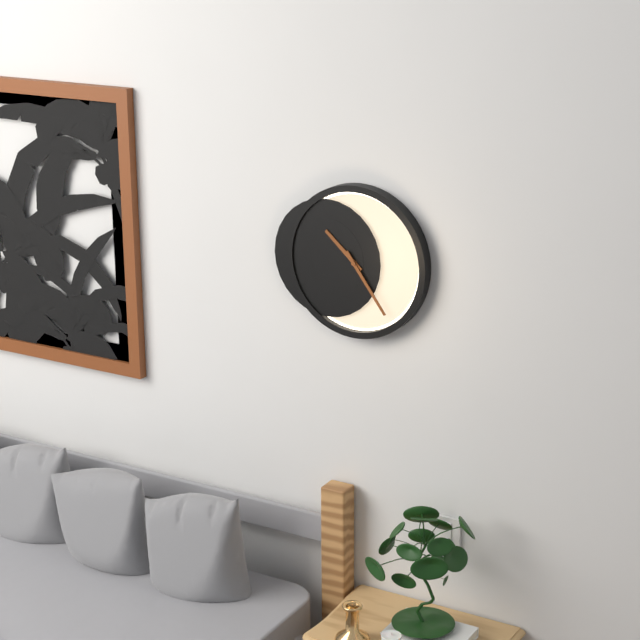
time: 10:24
